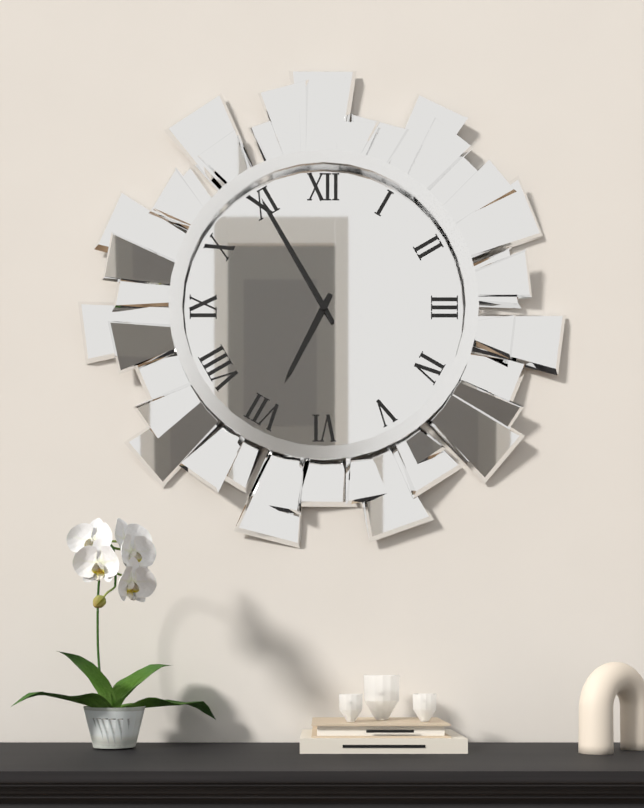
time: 6:55
